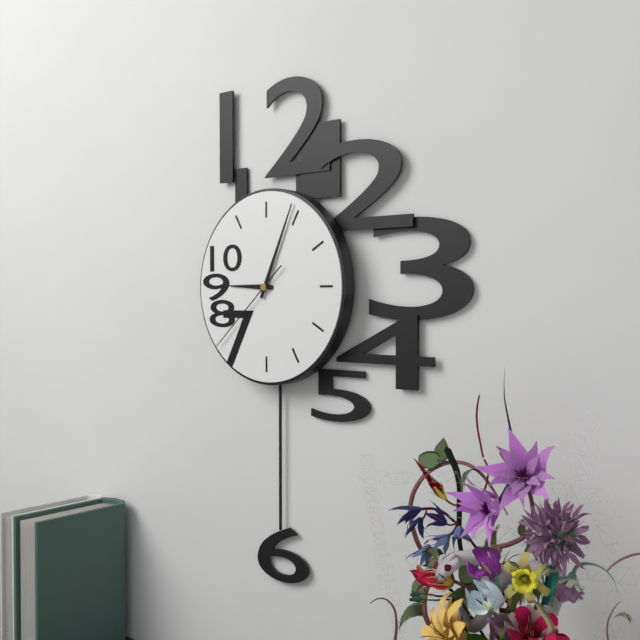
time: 9:04:38
